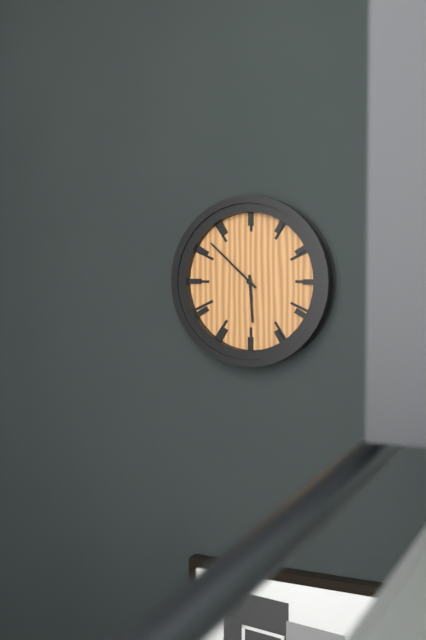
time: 5:52
